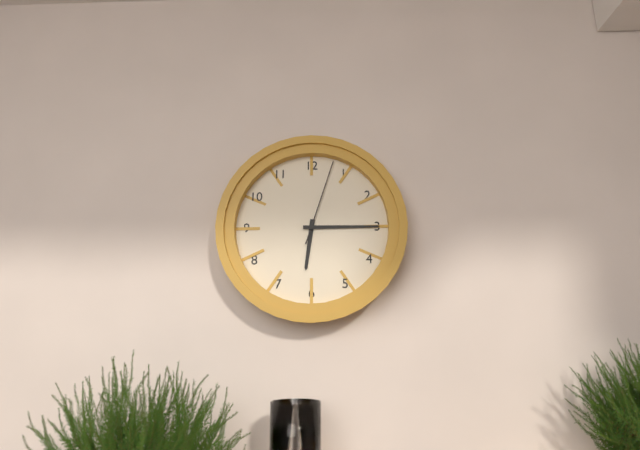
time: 6:15:03
